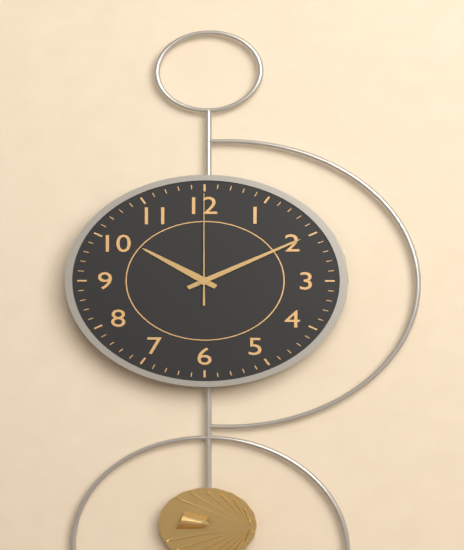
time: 10:10:00
